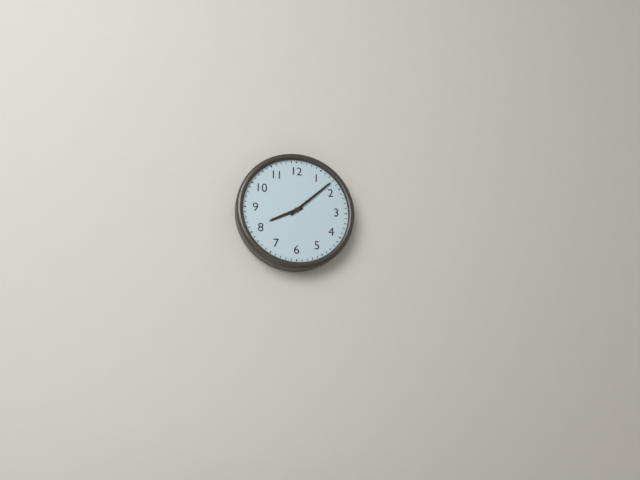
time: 8:08
